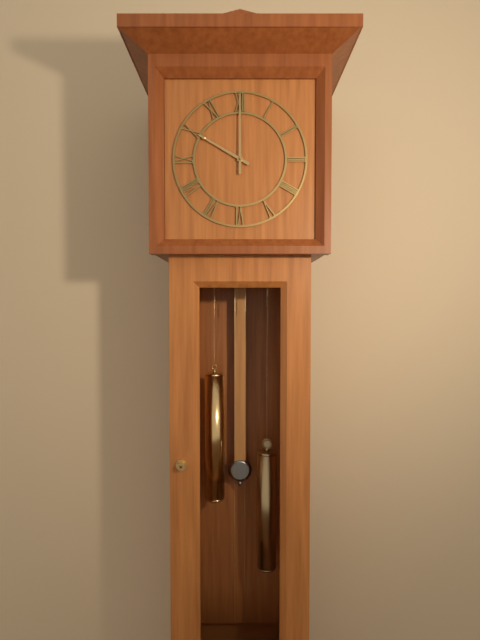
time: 10:00
